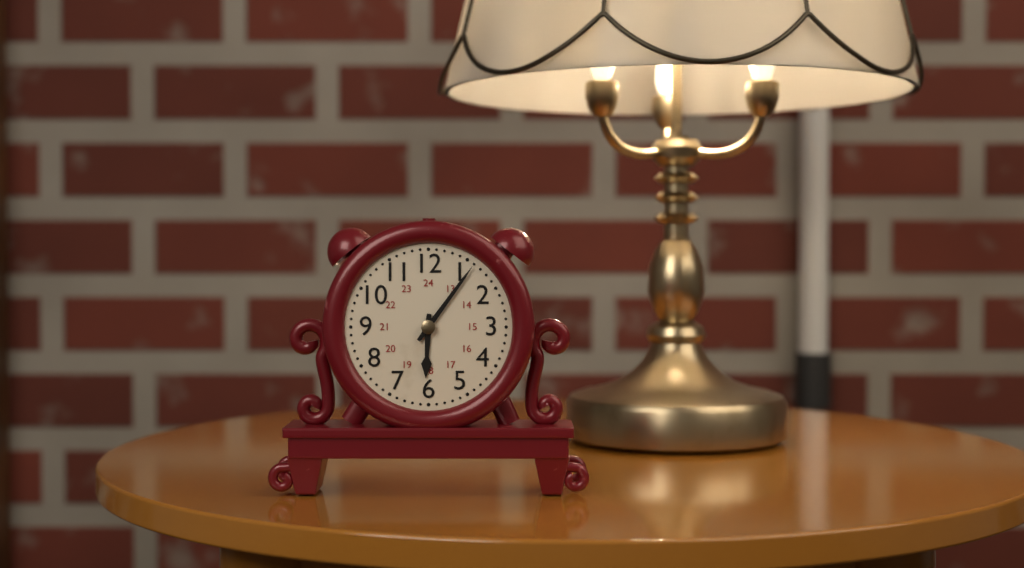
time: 6:06
